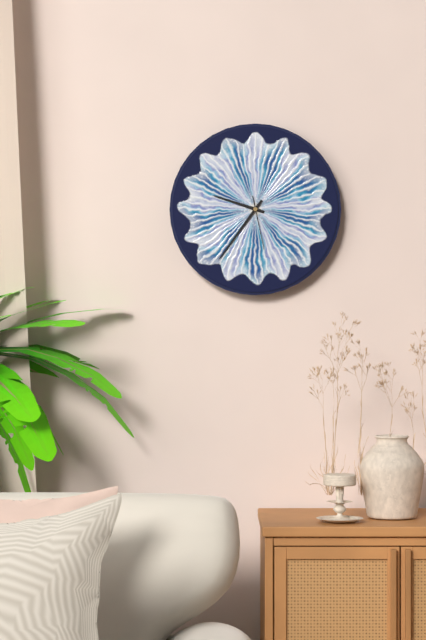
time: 9:36:28
